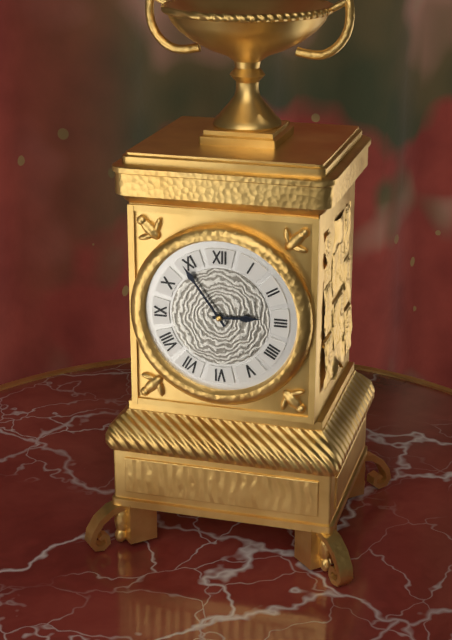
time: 2:54
